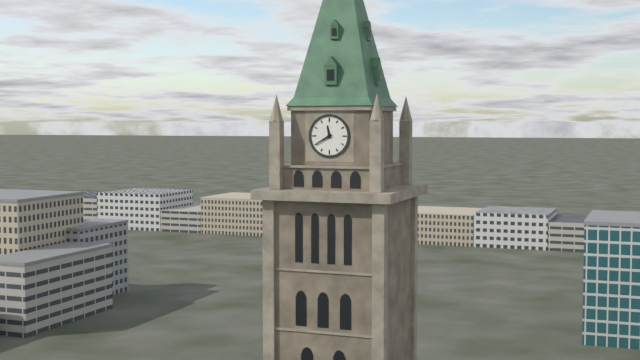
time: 11:40
